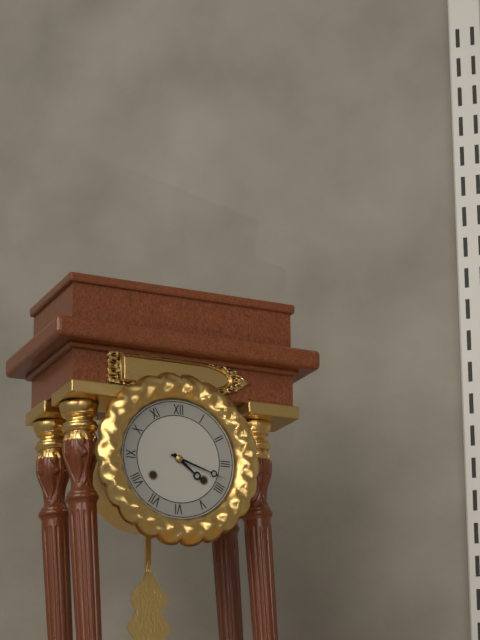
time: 4:18
